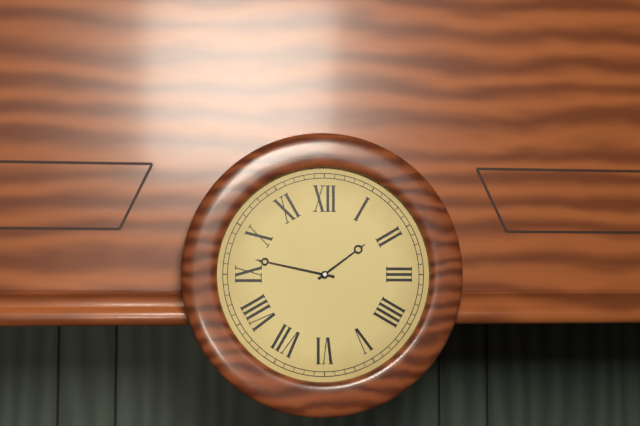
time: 1:47
